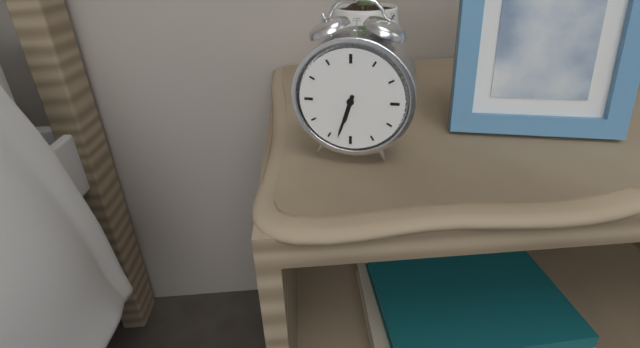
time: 6:33
